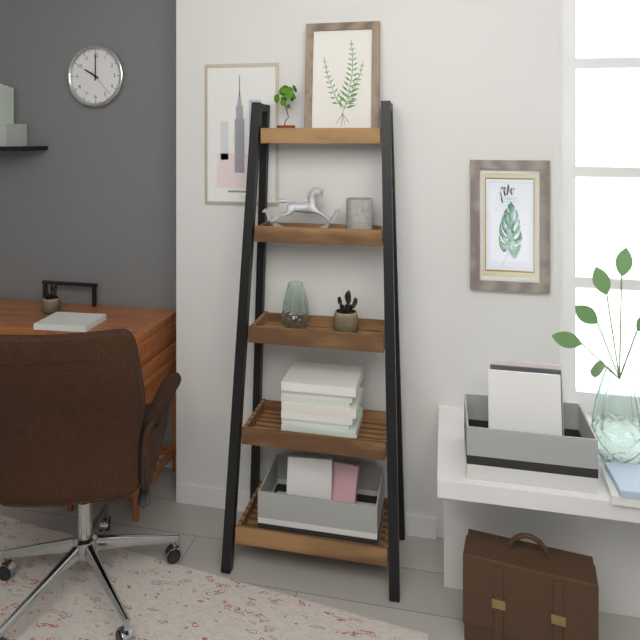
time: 10:00
